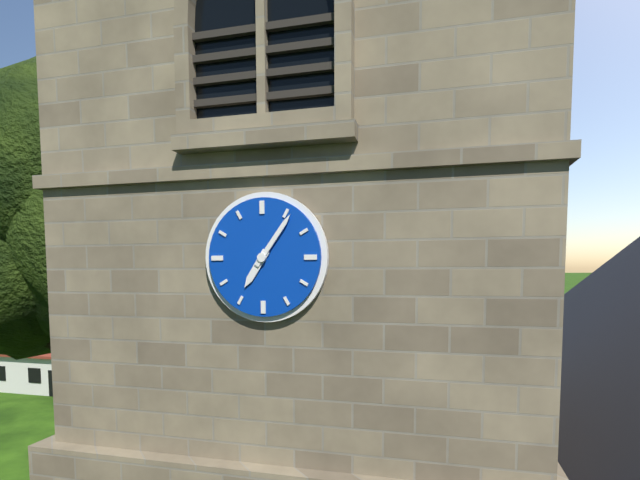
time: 7:06
